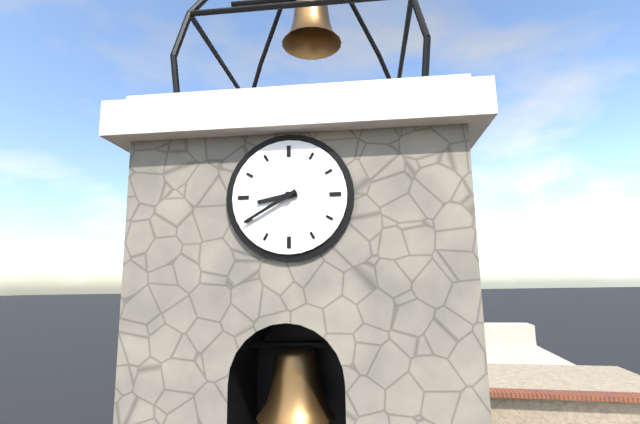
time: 8:40
